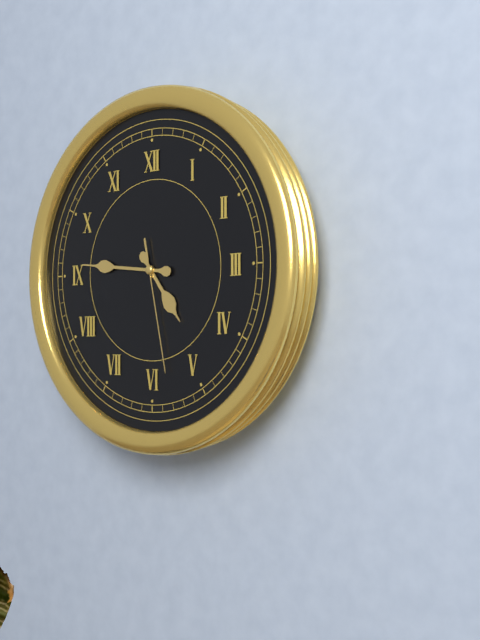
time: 4:46:28
